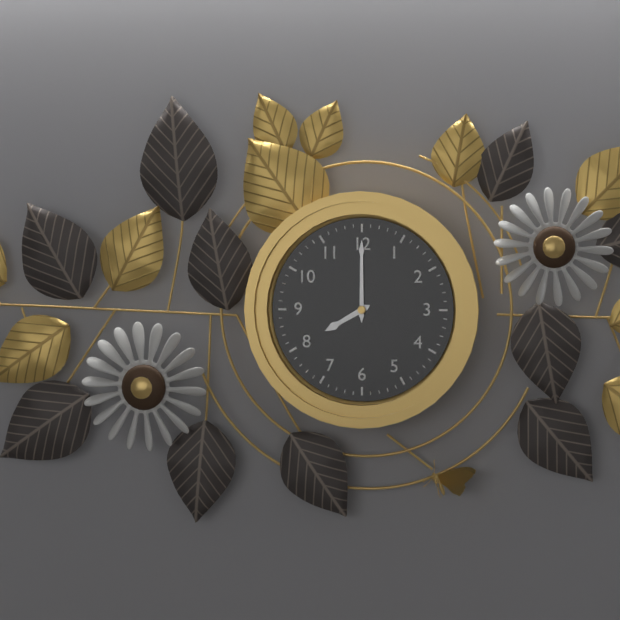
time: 8:00
